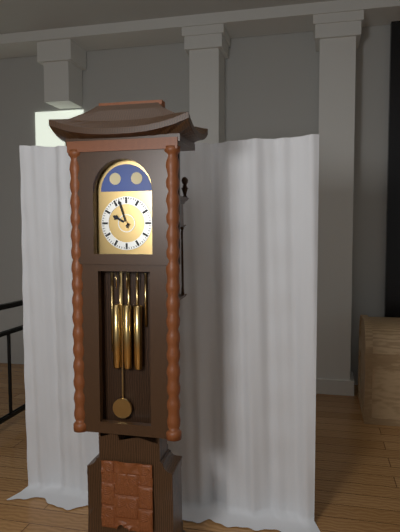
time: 9:57
